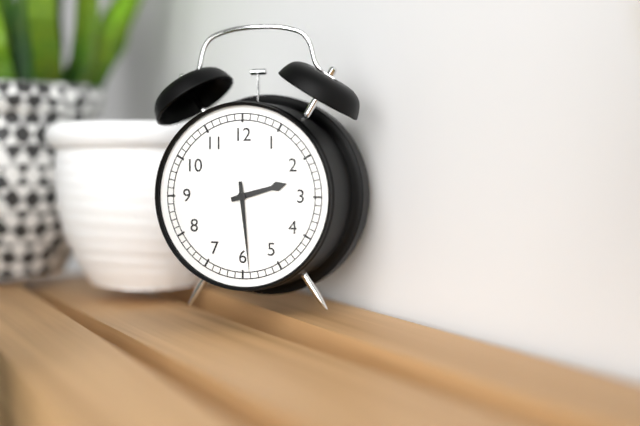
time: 2:29
